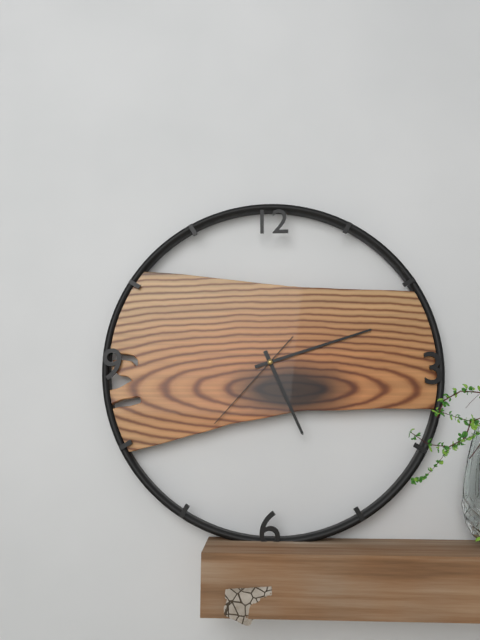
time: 5:12:37
